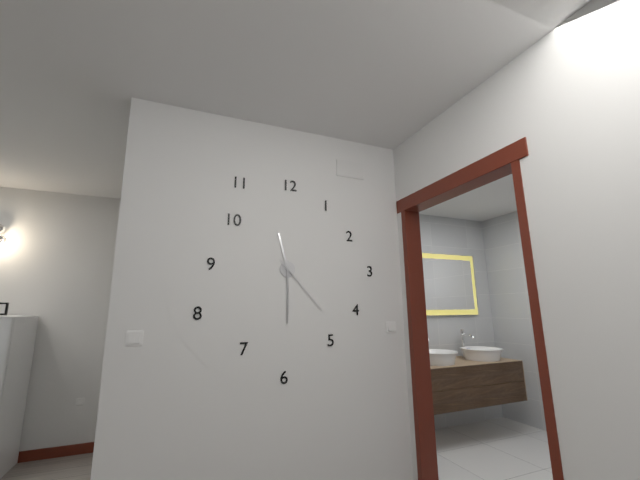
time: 11:30:23
